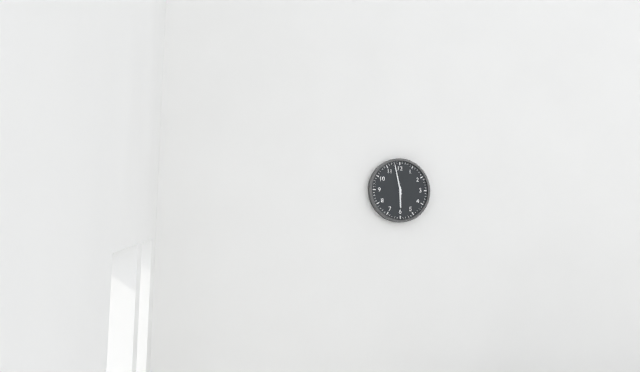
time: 5:58
